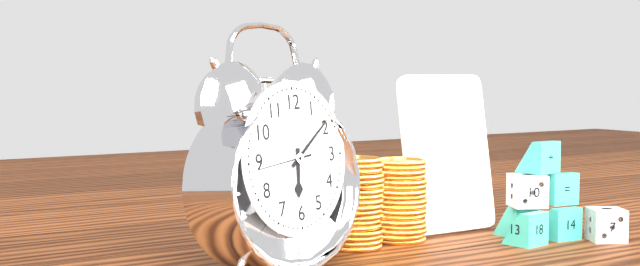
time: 6:09:44
